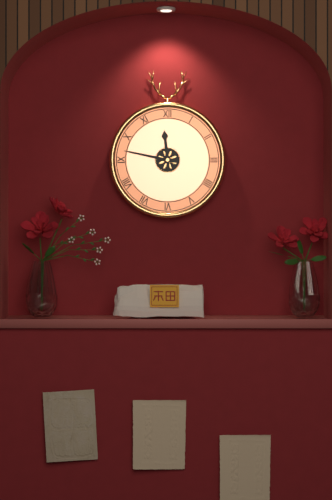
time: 11:47
